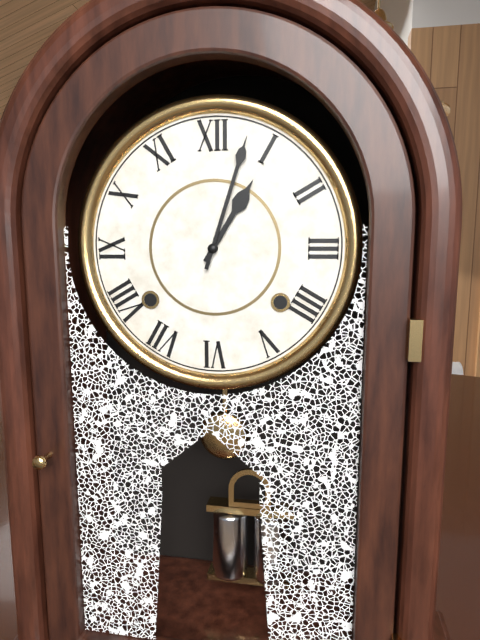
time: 1:03
